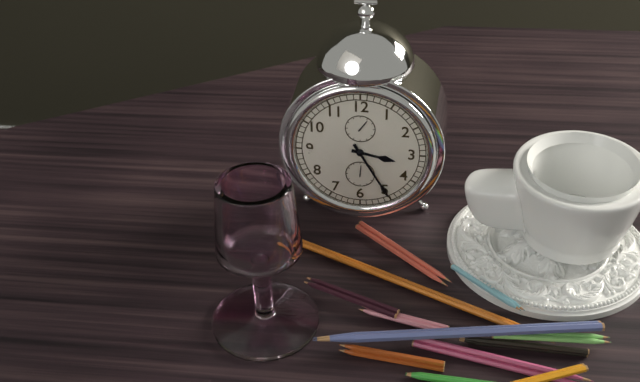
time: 3:25
